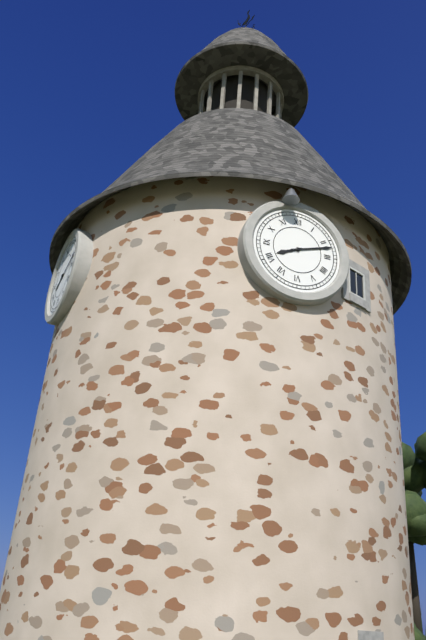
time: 8:12
